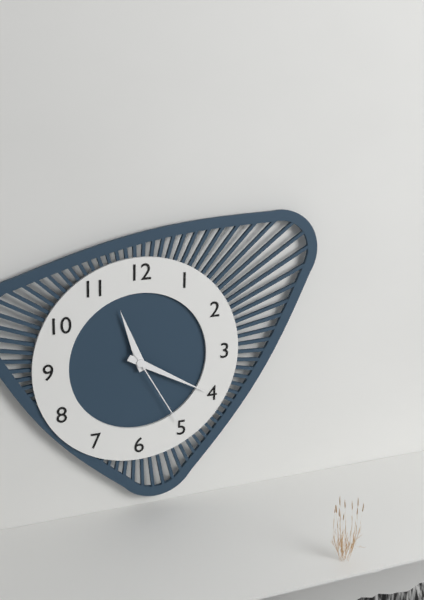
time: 11:20:25
